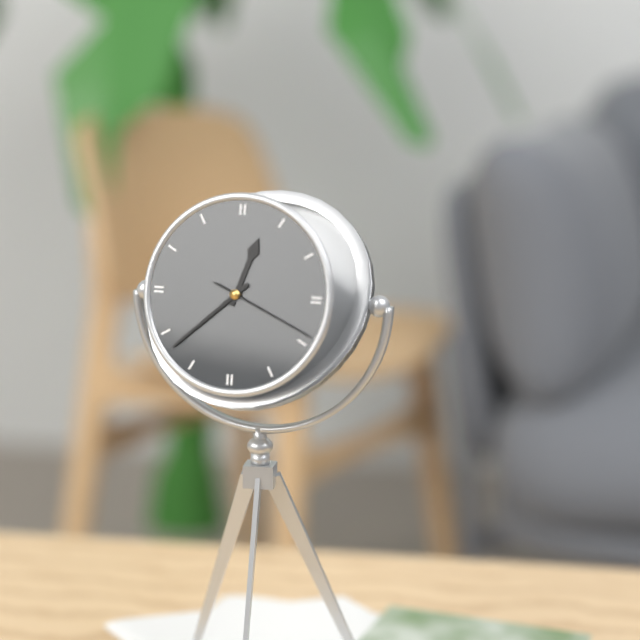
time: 12:38:19
